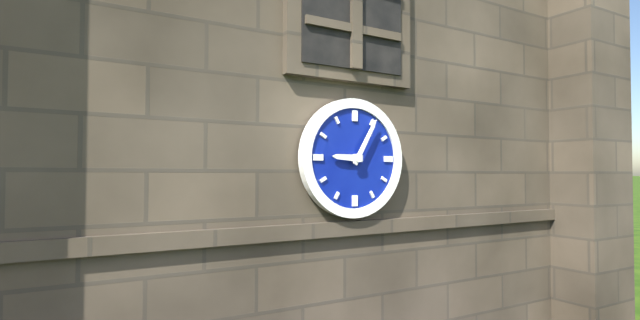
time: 9:05
